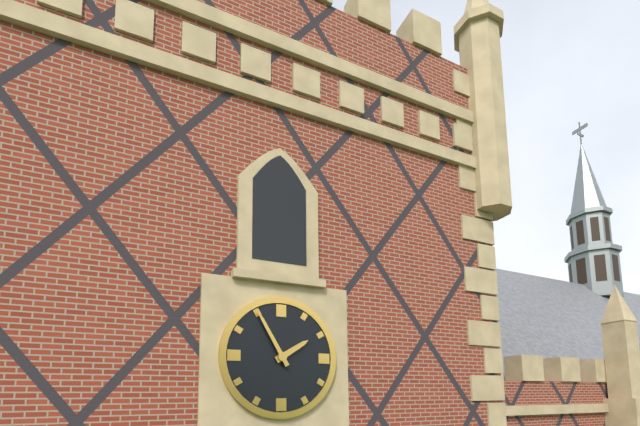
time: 1:55
